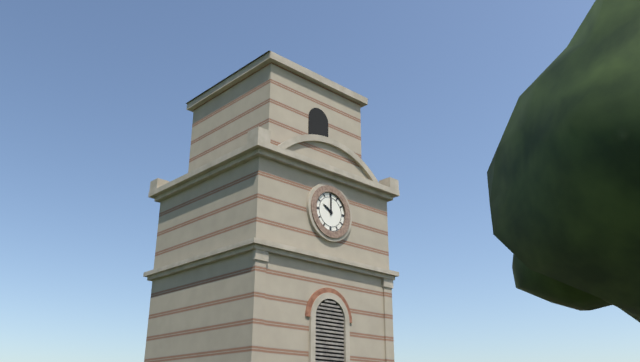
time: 10:00
